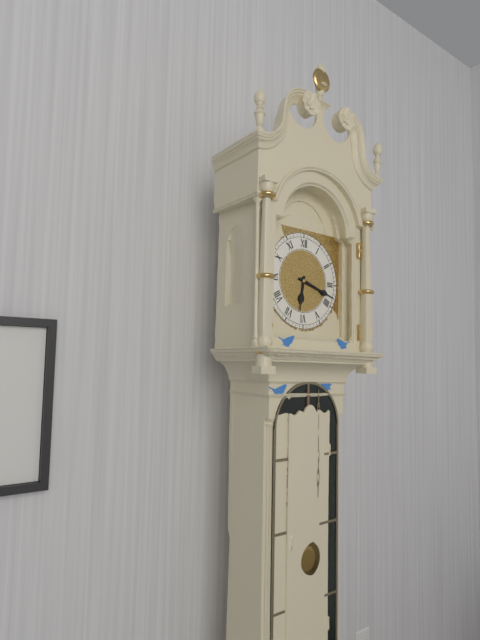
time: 6:18
